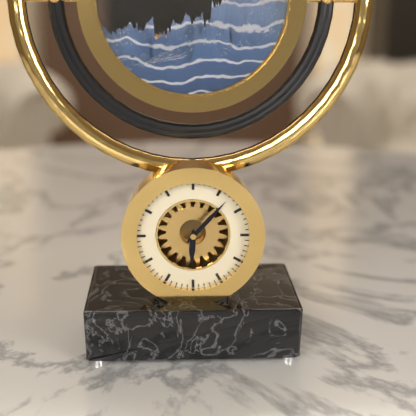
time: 6:07
